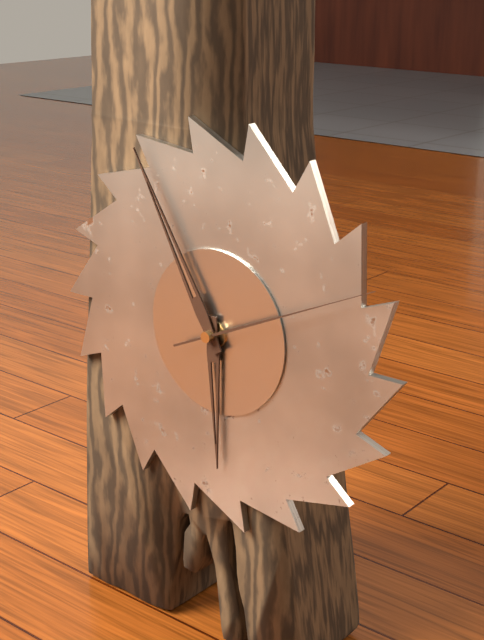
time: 5:55:11
